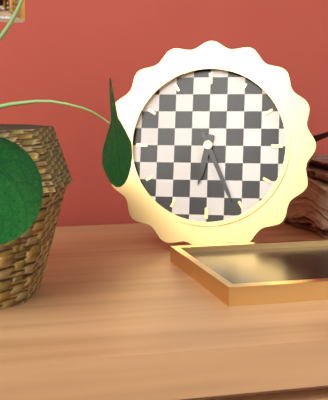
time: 6:26
